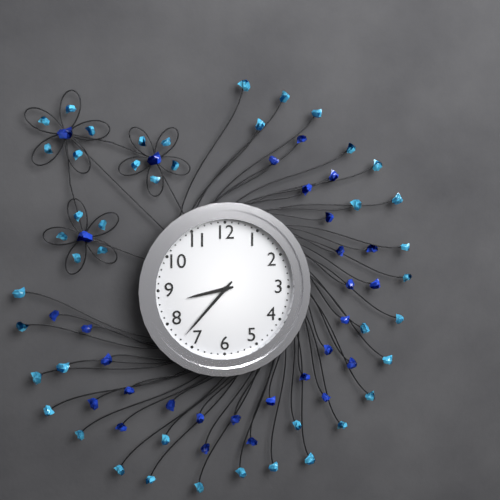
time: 8:37
